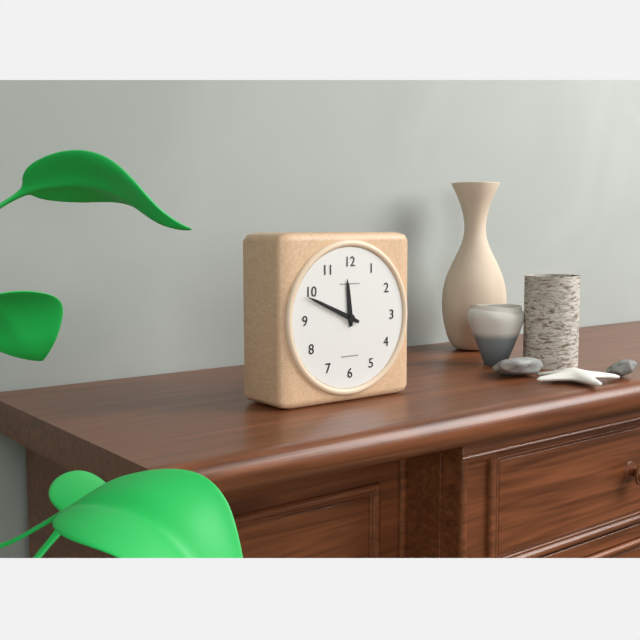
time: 11:49
